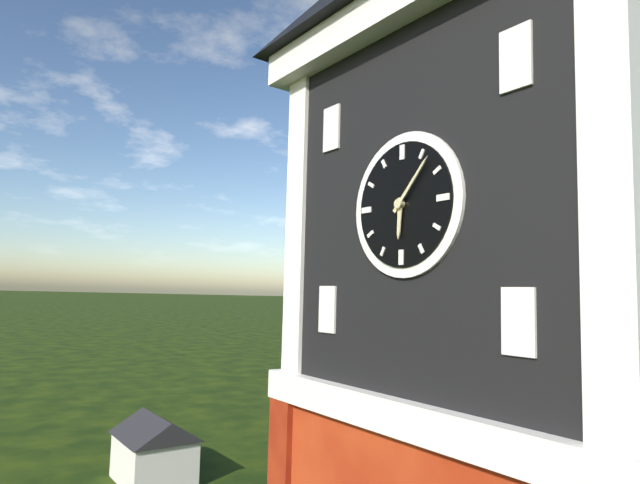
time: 6:07
